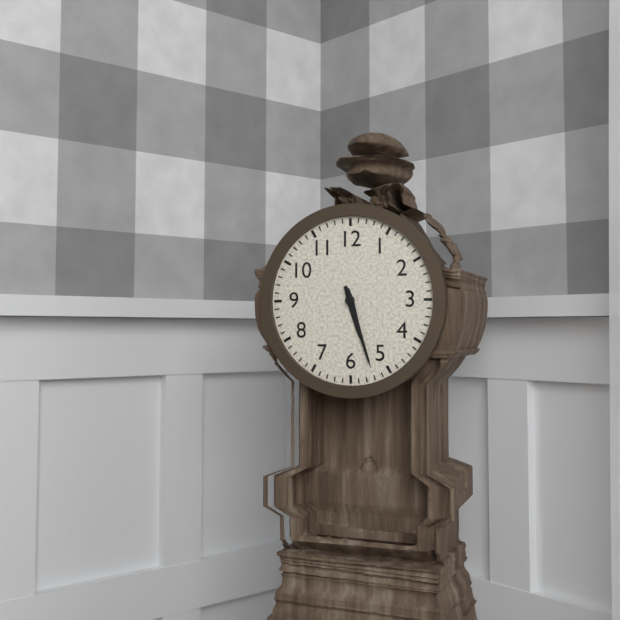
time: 5:27
